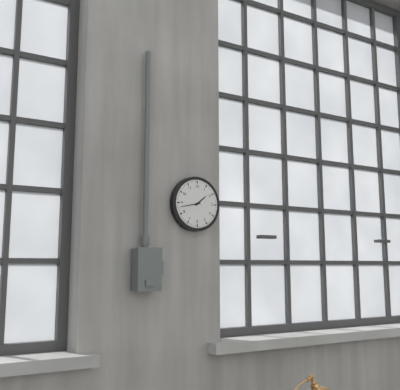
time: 1:43
